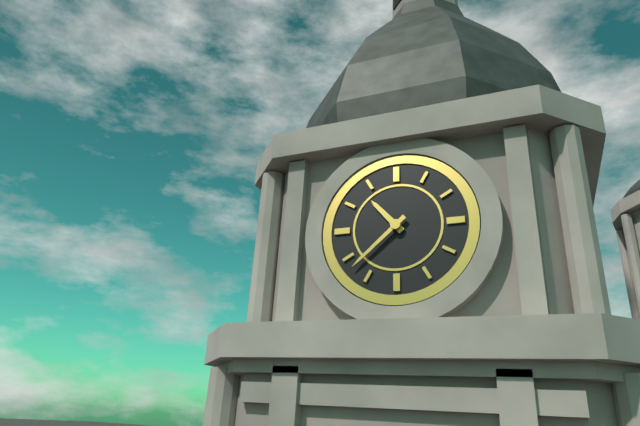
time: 10:38
